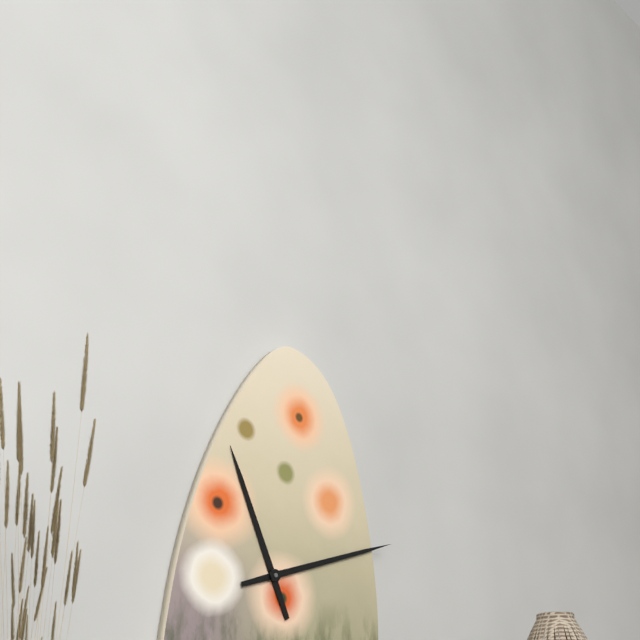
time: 11:12
